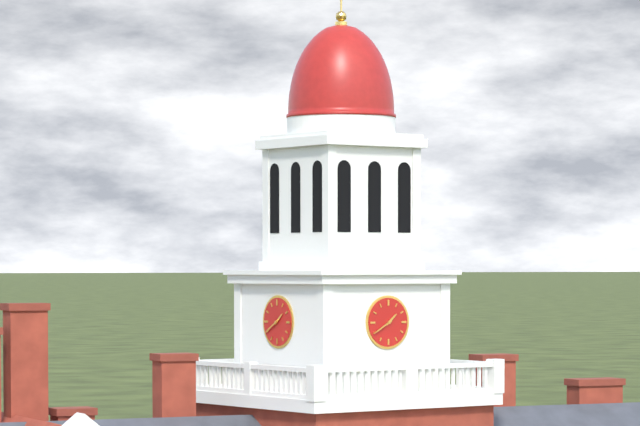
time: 1:40
